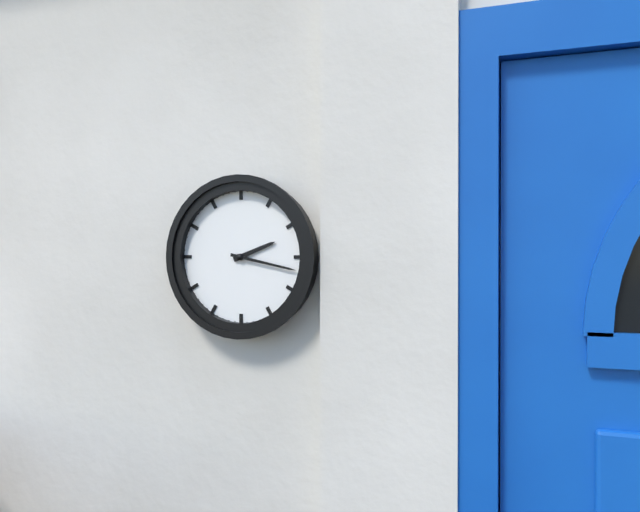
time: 2:17
